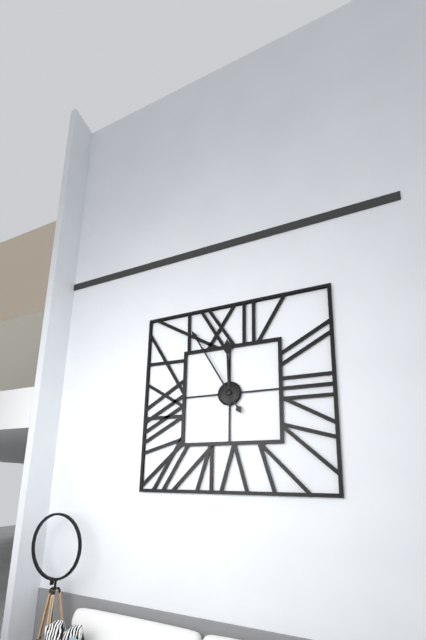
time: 11:55
